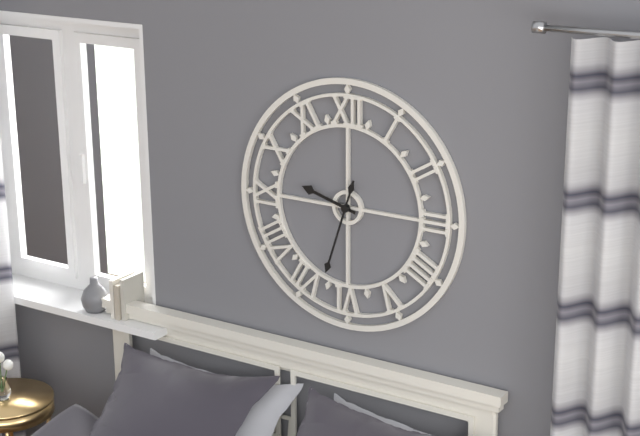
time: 9:33
